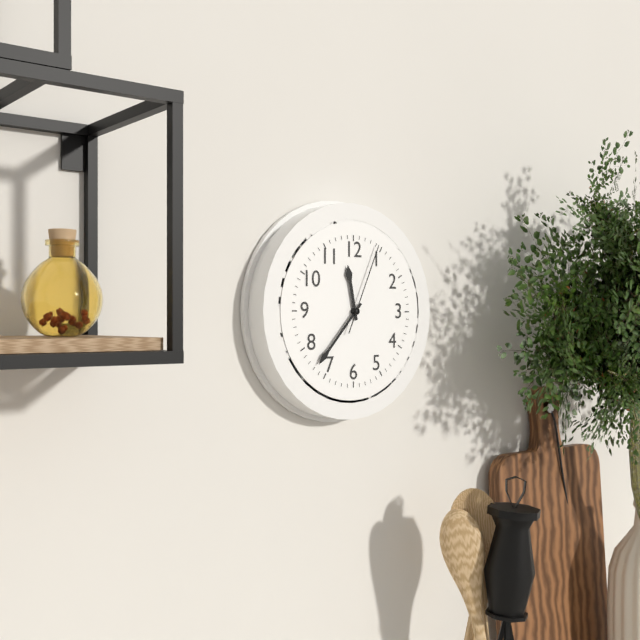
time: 11:37:04
